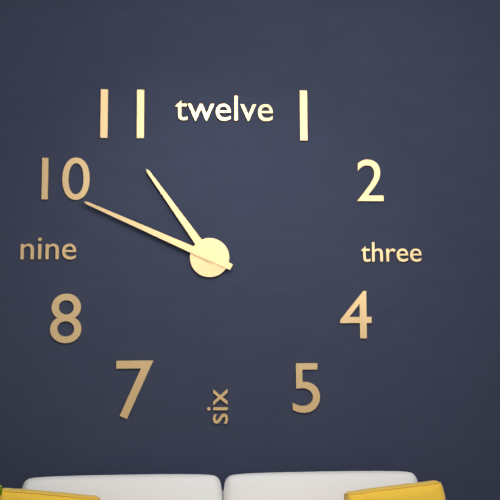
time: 10:49
